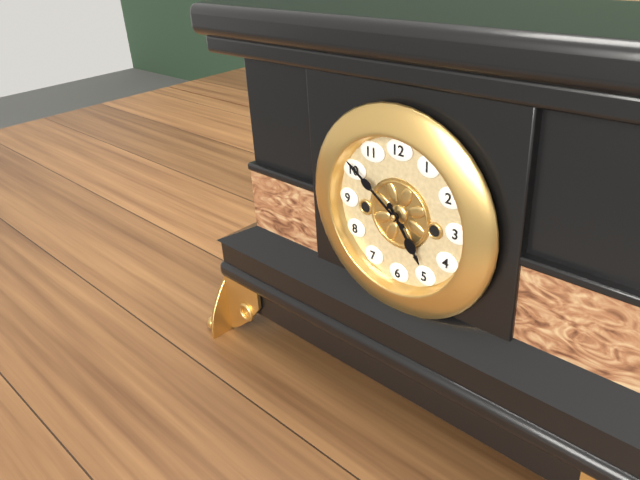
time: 4:51
